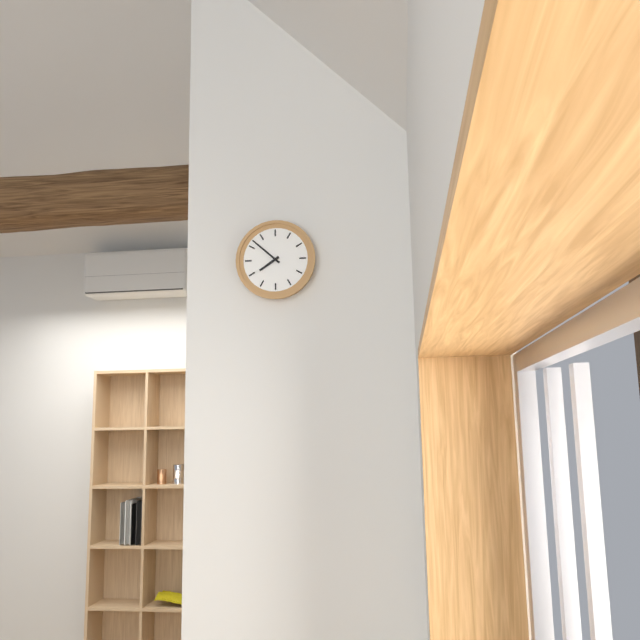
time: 7:52
